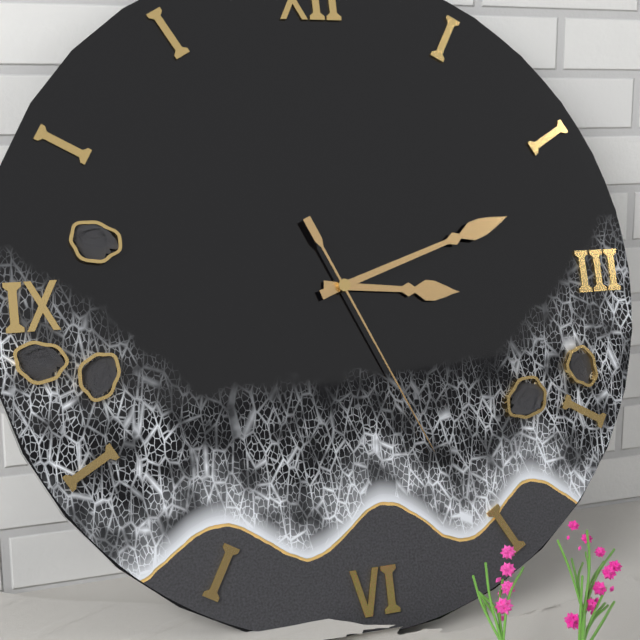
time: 3:12:26
